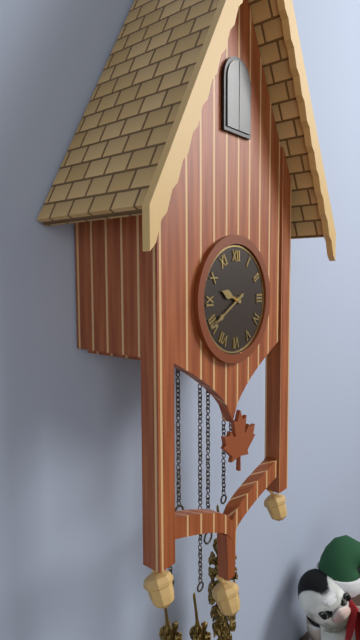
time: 9:40
